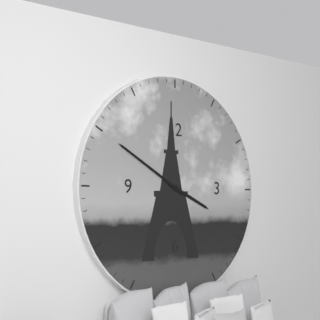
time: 3:50
